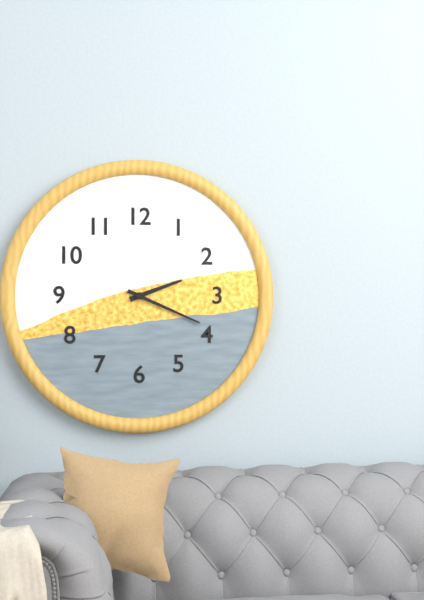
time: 2:19
